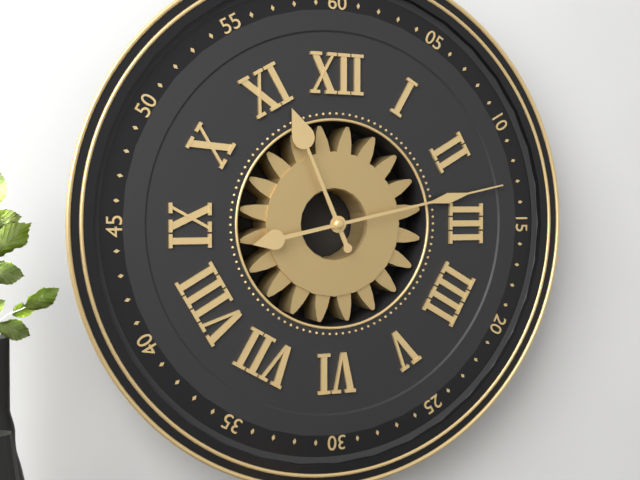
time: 11:13
